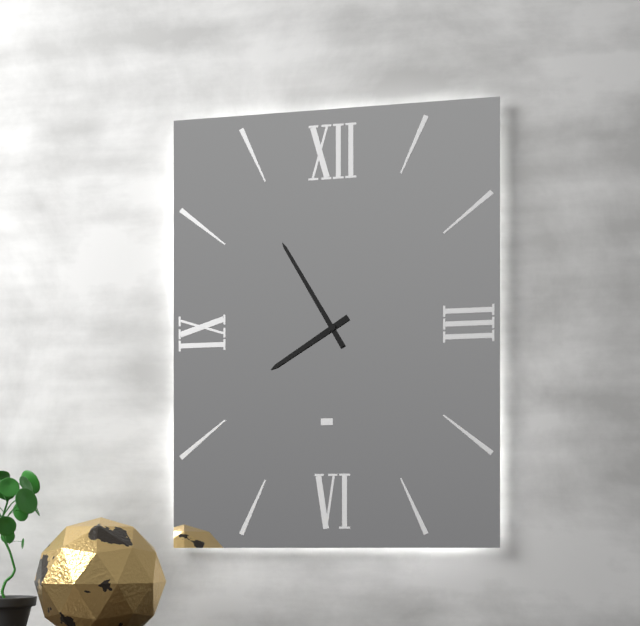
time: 7:55
